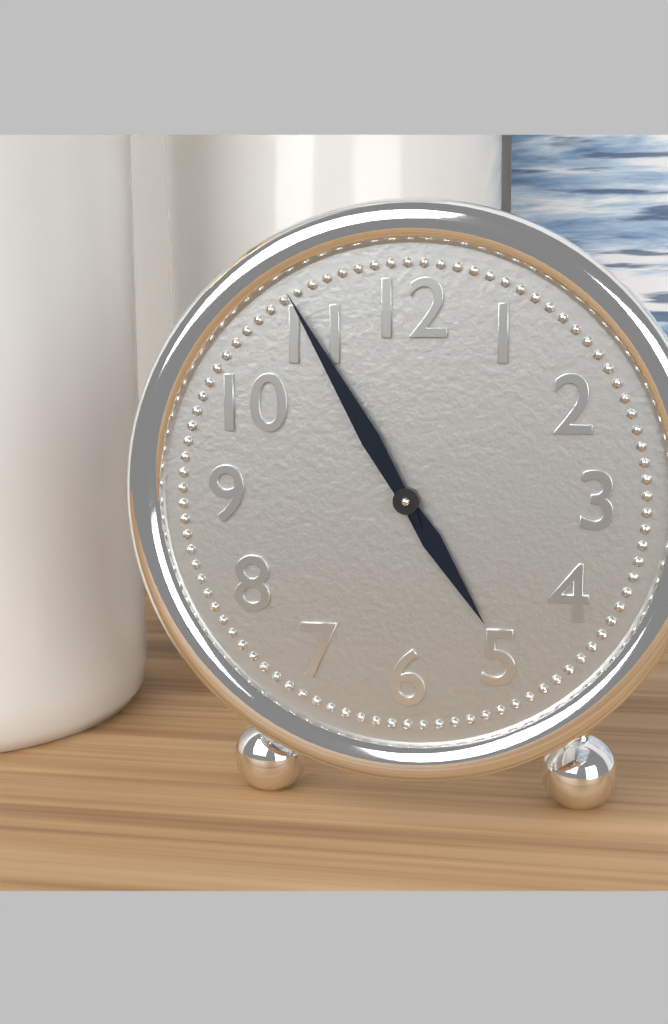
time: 4:55
